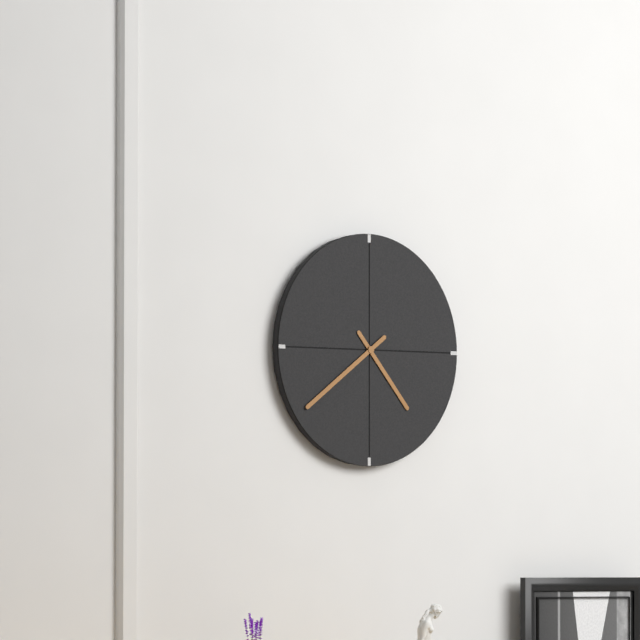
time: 4:39
